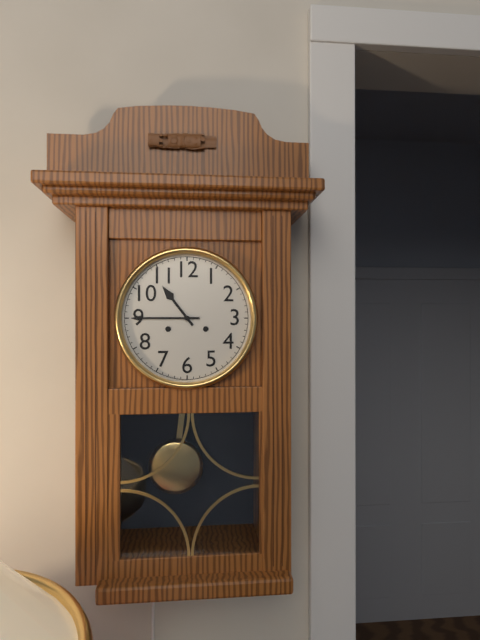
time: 10:45
